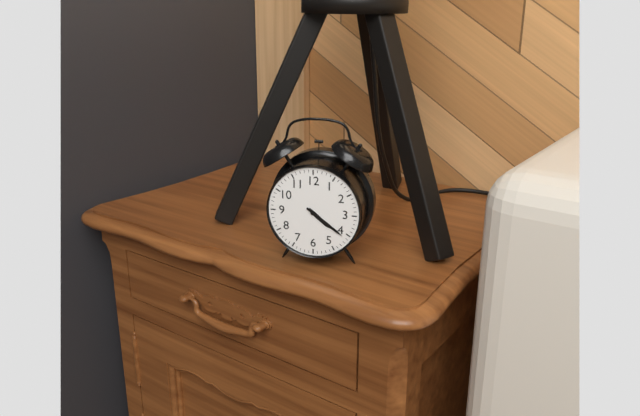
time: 4:21
